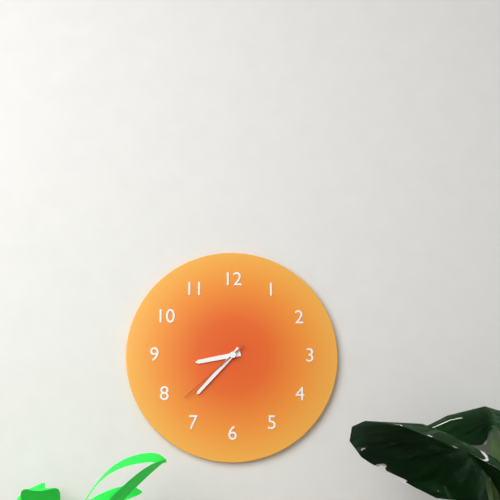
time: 8:37:38
